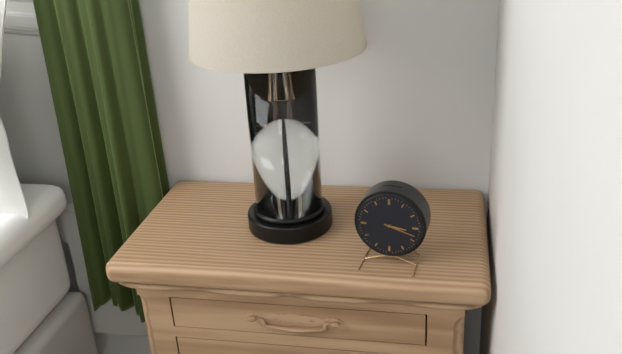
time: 3:18
